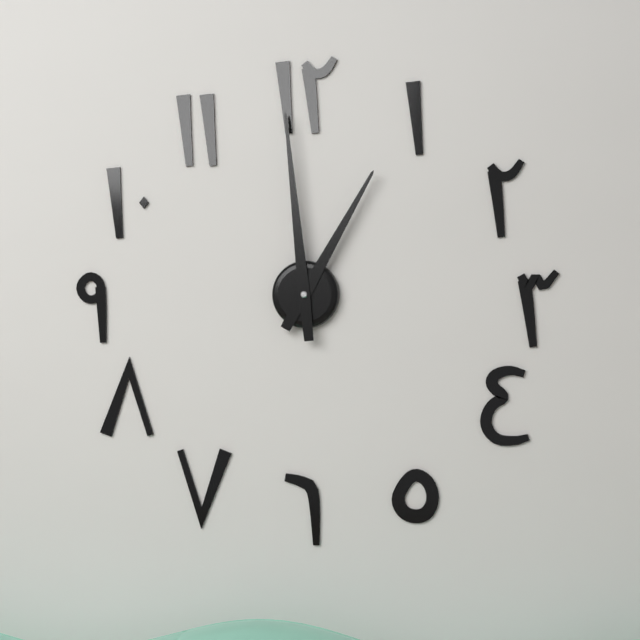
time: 12:59
